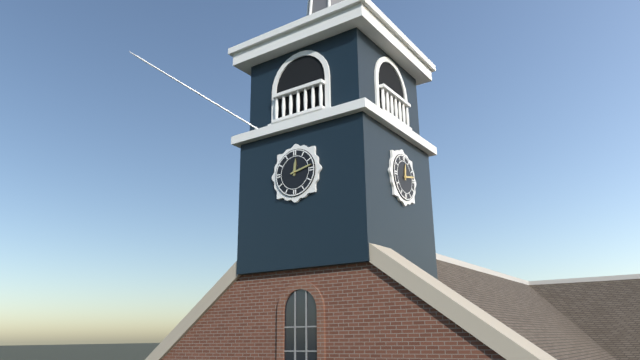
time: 12:13
